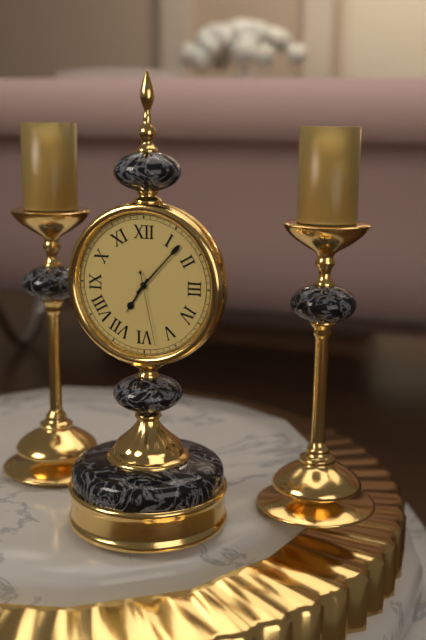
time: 7:07:28
